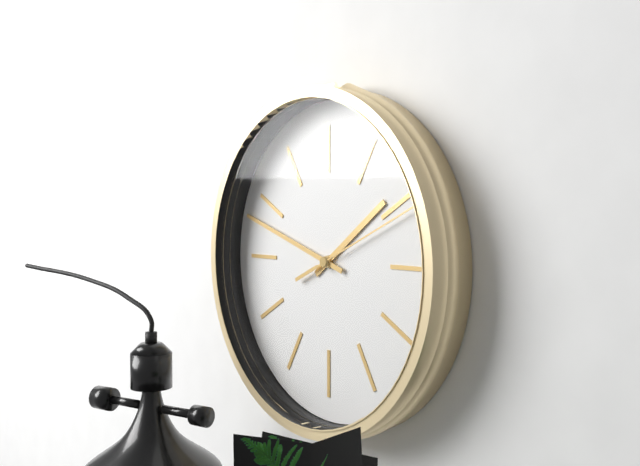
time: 1:48:11
